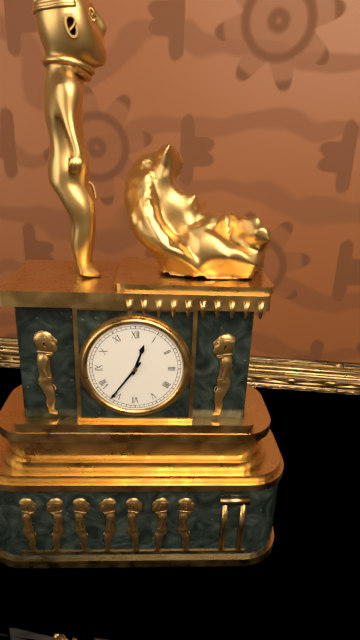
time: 12:36
